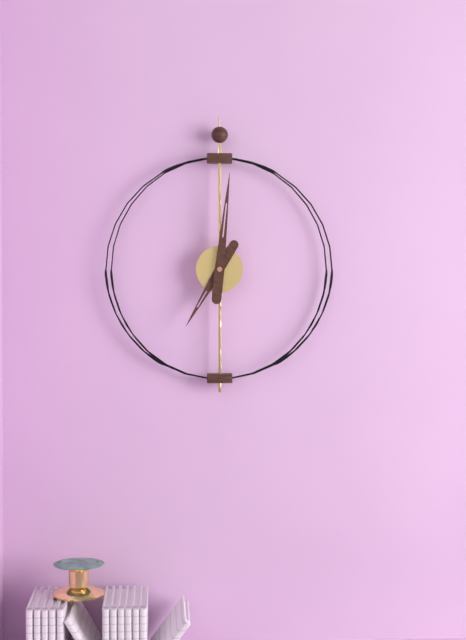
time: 7:01
